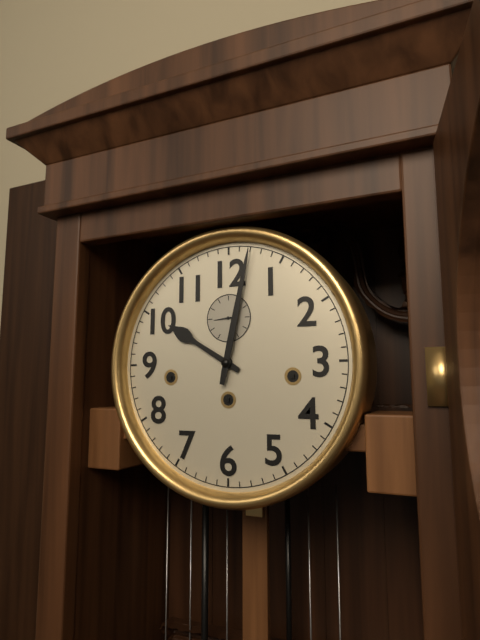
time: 10:02
